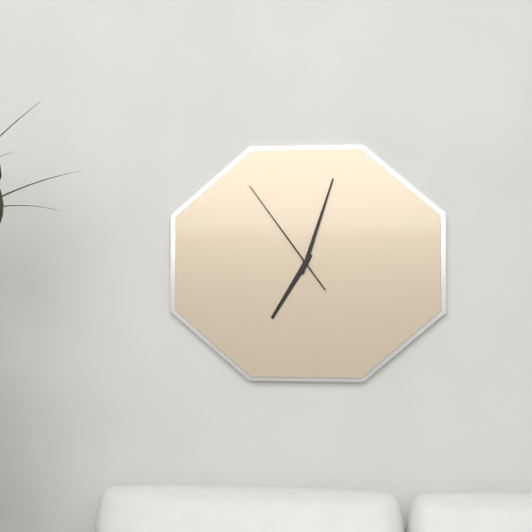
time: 7:03:54
